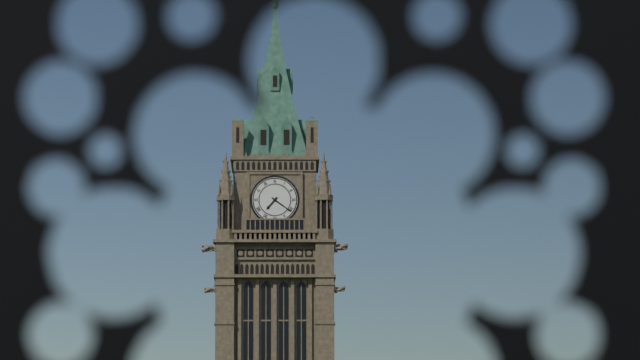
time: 7:21
